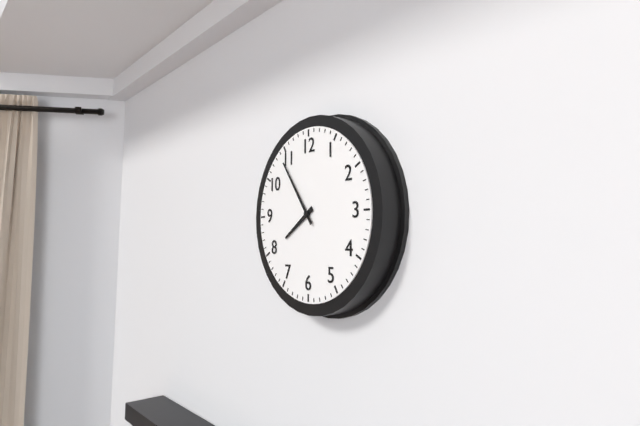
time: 7:54
